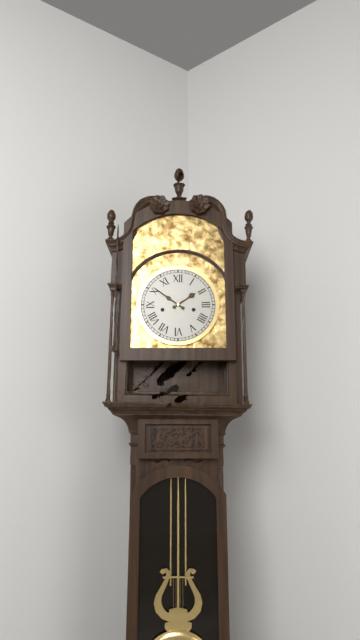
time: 1:51
